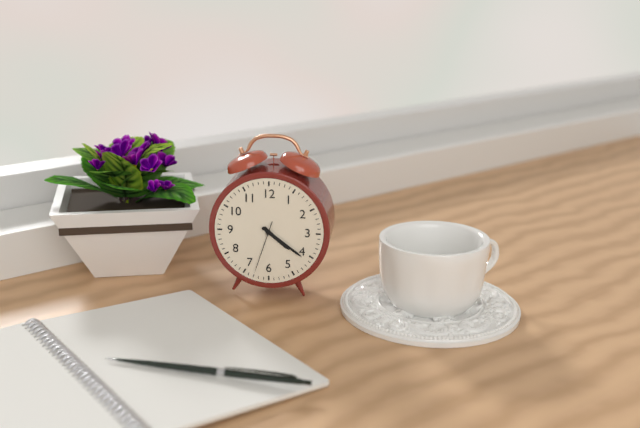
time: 4:21:33
